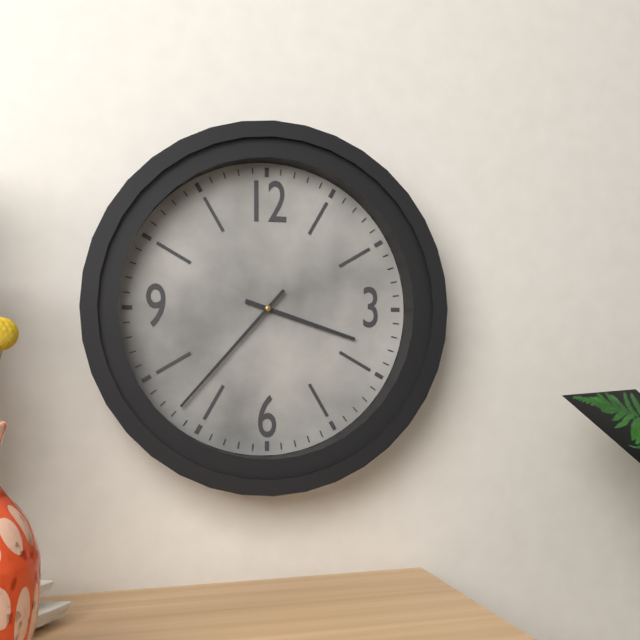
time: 3:37
